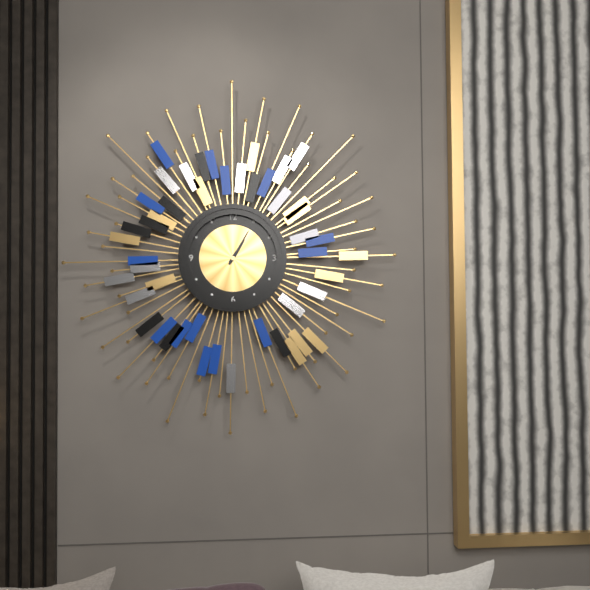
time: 1:05
